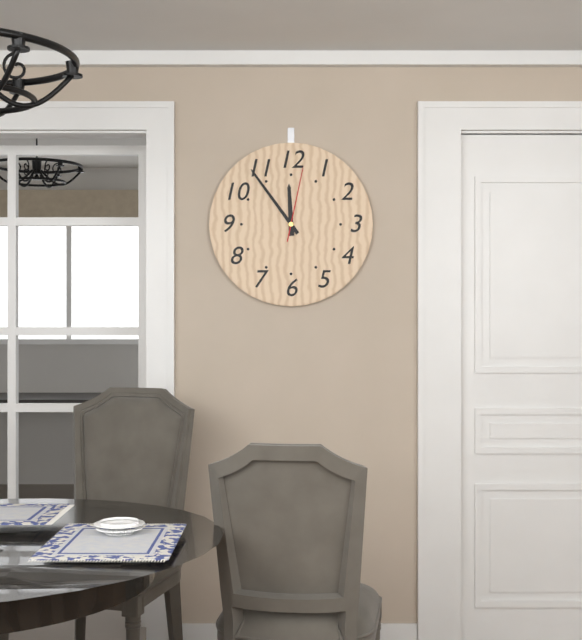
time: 11:54:02
